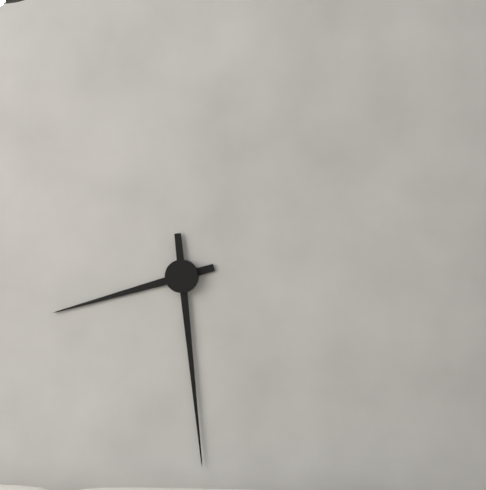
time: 8:29
